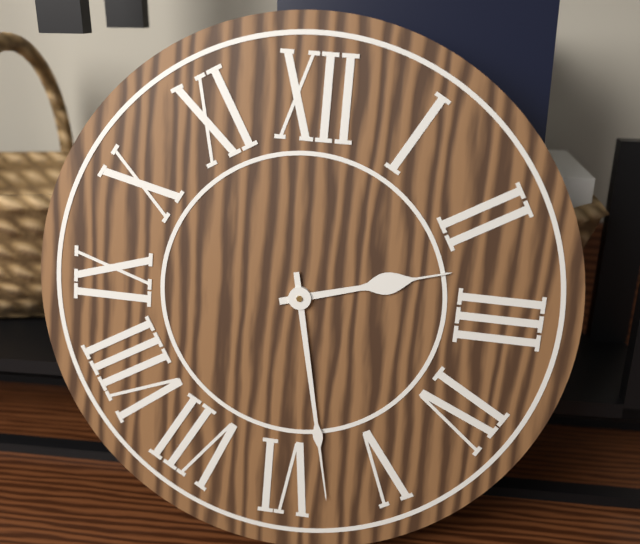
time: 2:28
